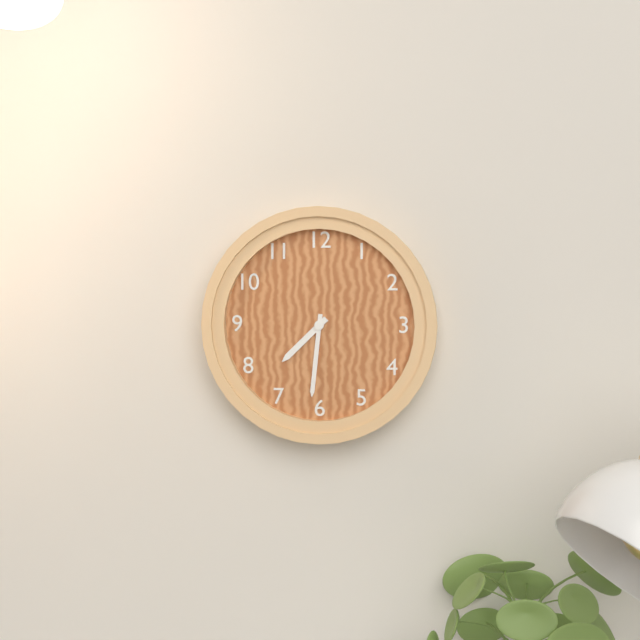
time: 7:31
